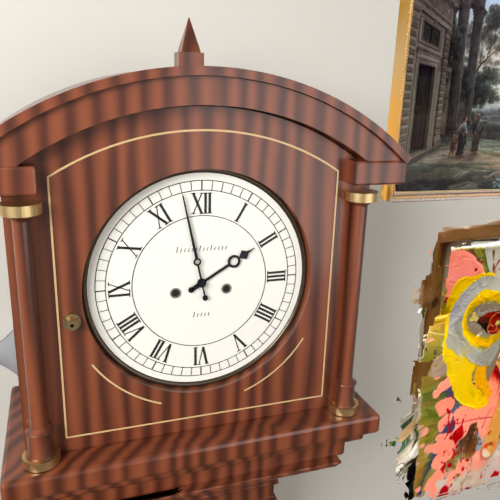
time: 1:58
